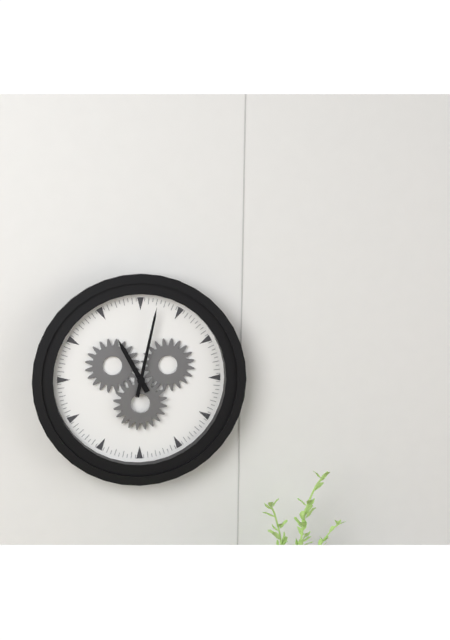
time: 11:02
